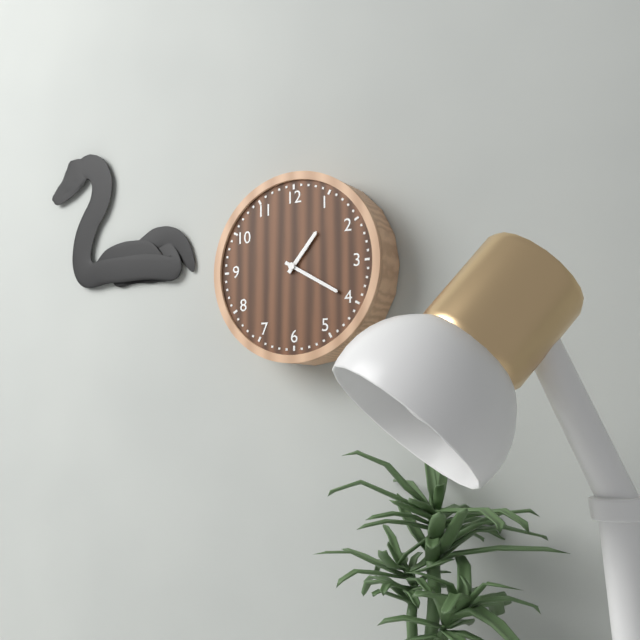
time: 1:20
